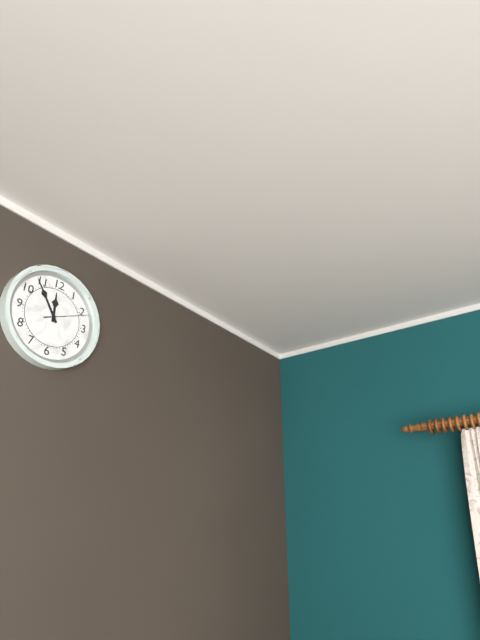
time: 11:54
